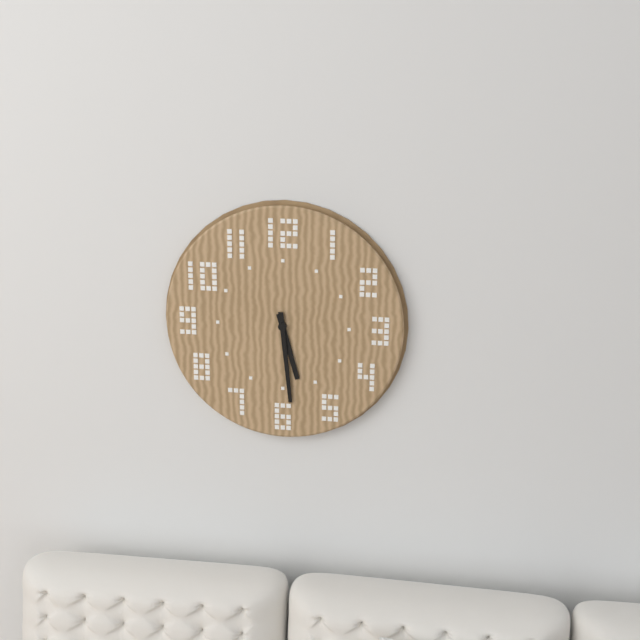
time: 5:29
